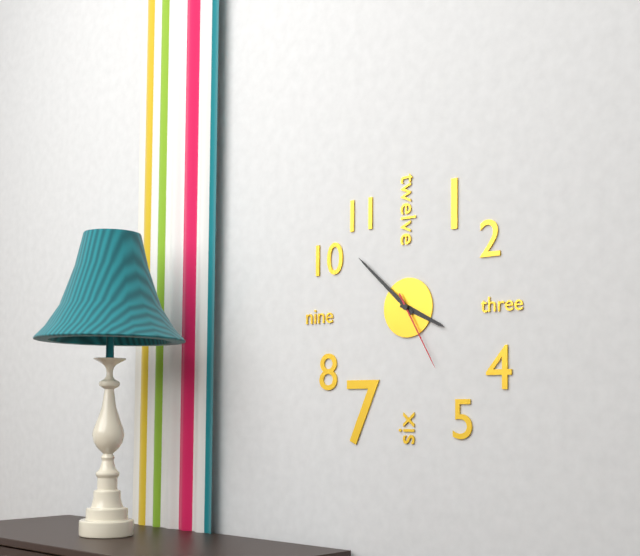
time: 3:52:25
